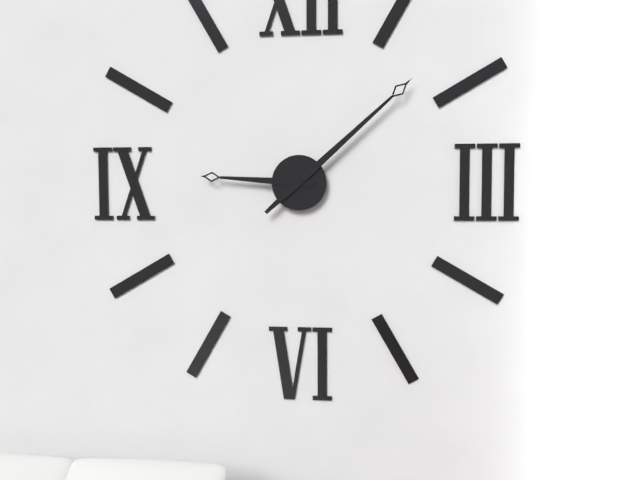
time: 9:08
